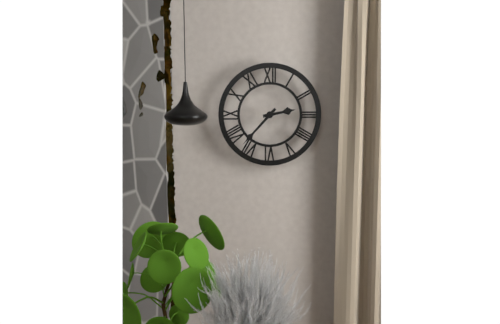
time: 2:37
